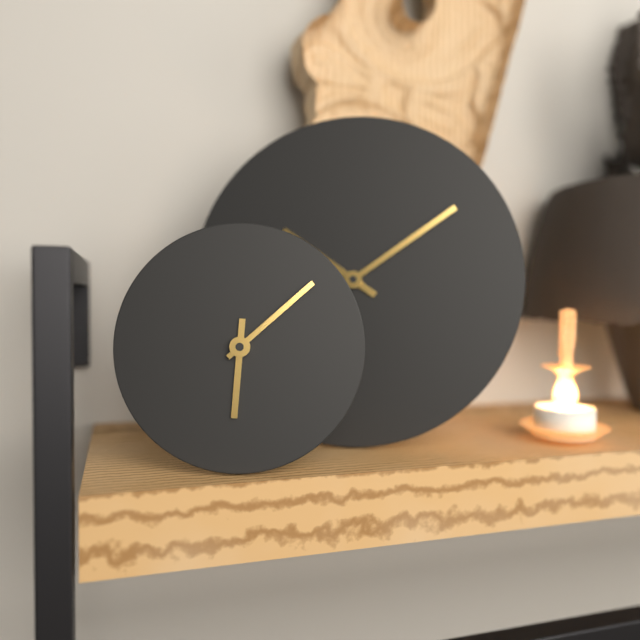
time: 6:08
